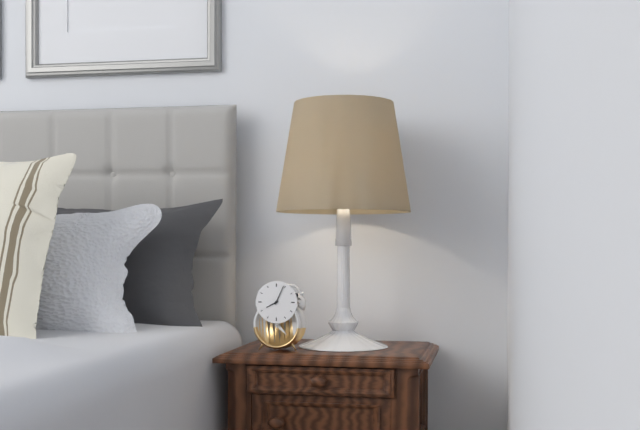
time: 8:04
